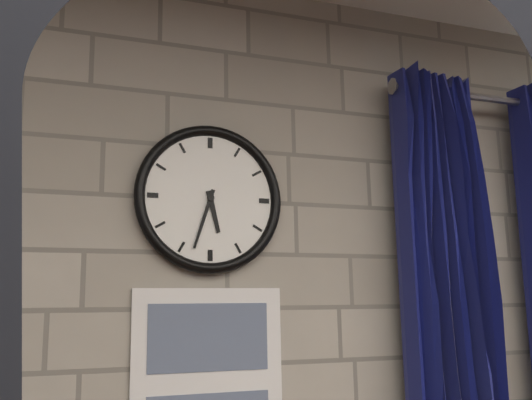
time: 5:33
